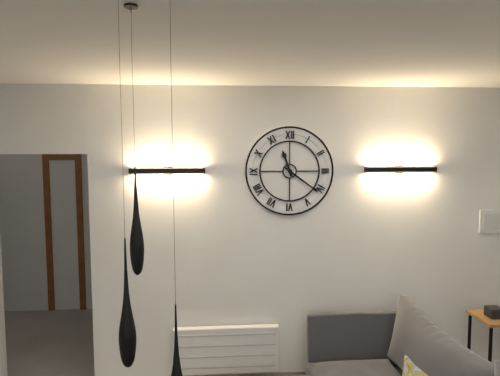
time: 11:21
